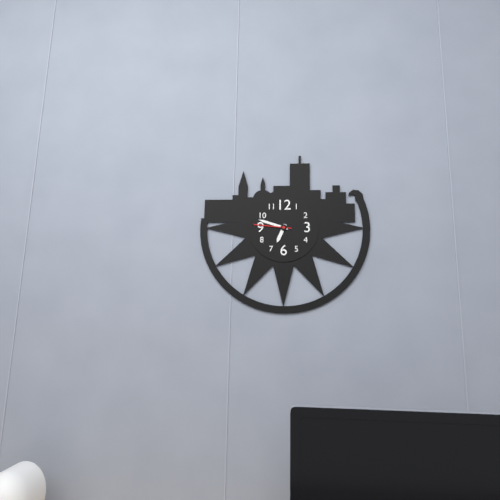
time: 6:48
